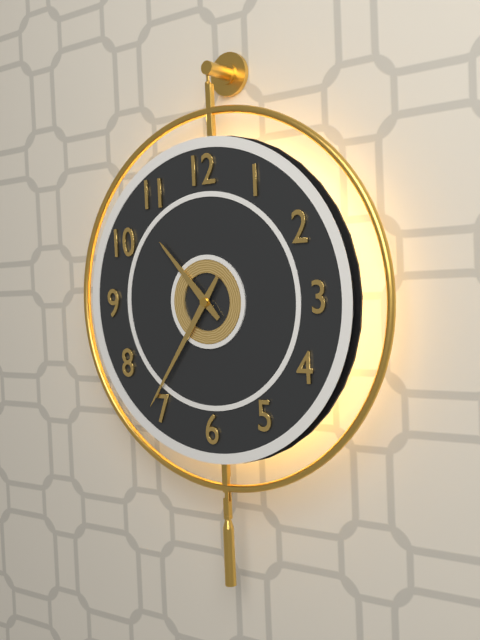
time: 10:36
